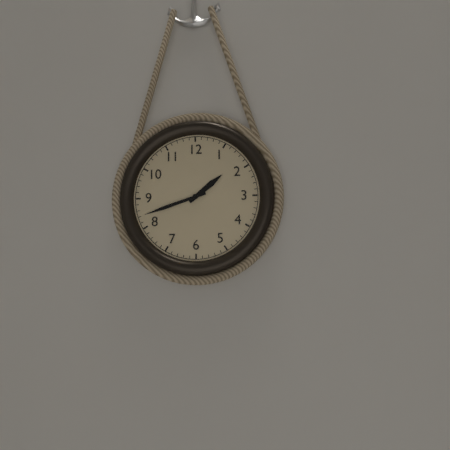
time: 1:42
